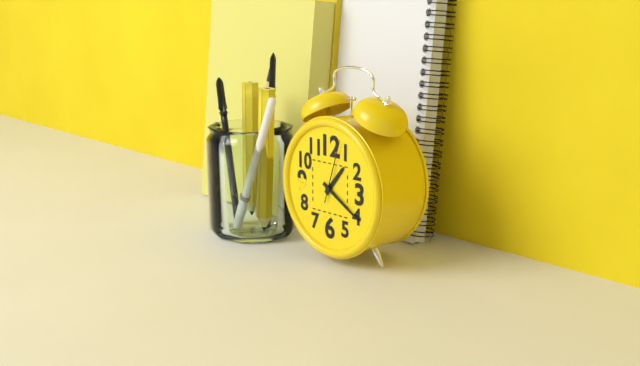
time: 1:20:03
